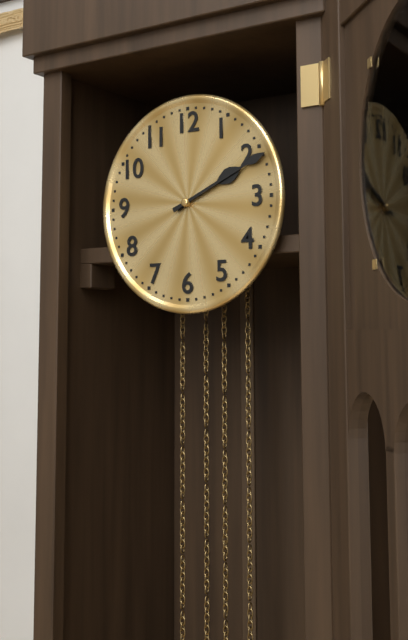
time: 2:11
